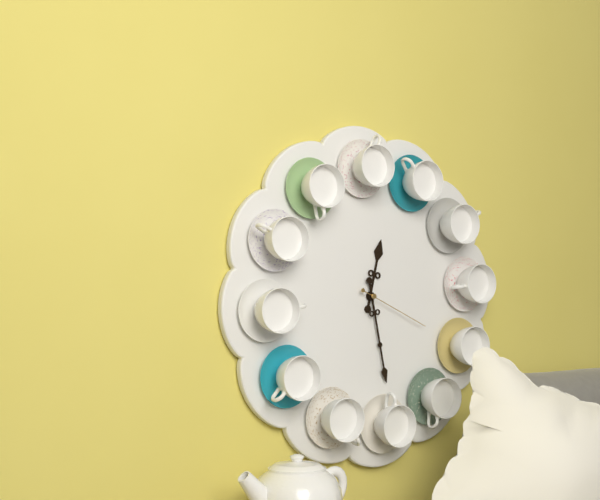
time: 12:28:19
